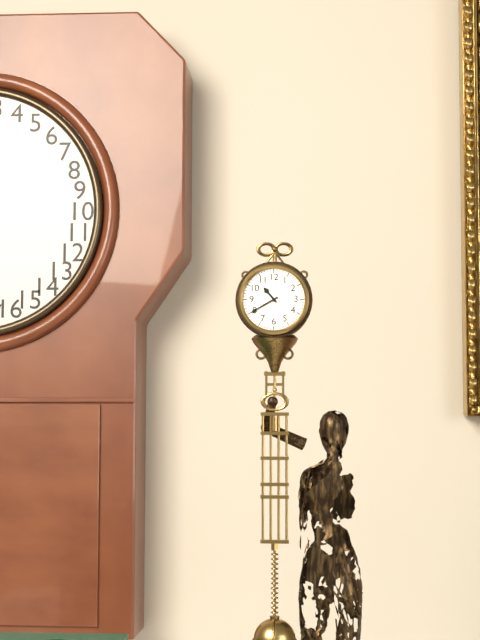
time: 10:40
